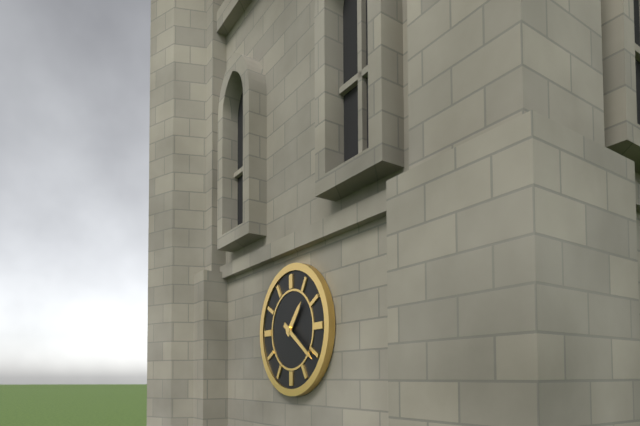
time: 1:21
